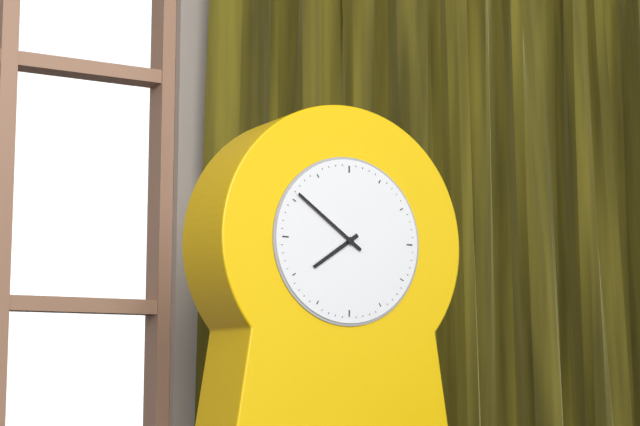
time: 7:51
